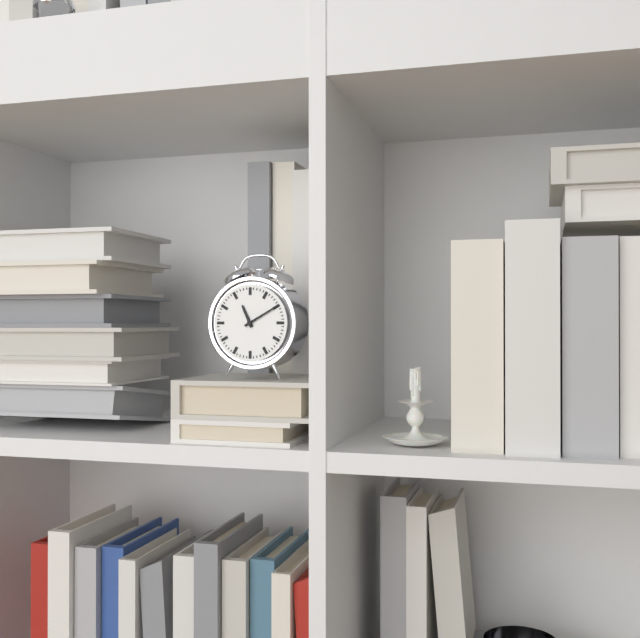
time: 11:10
